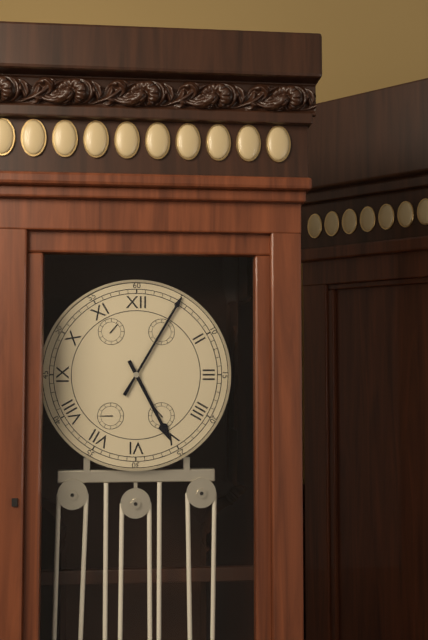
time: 5:05
